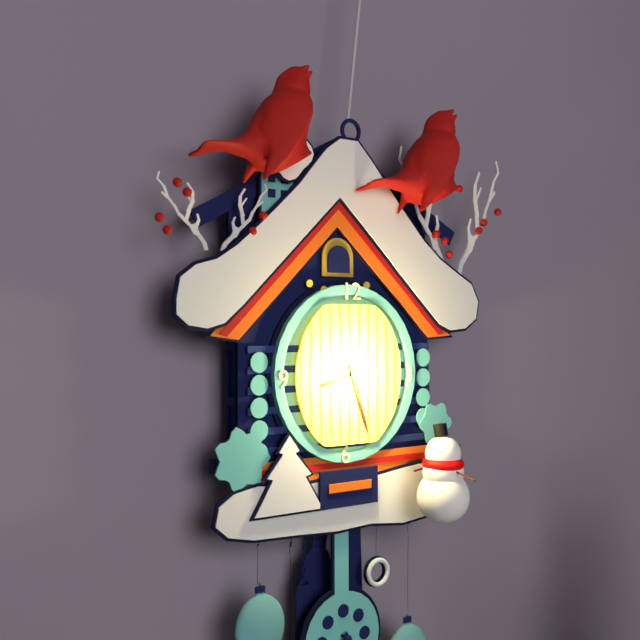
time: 8:27
